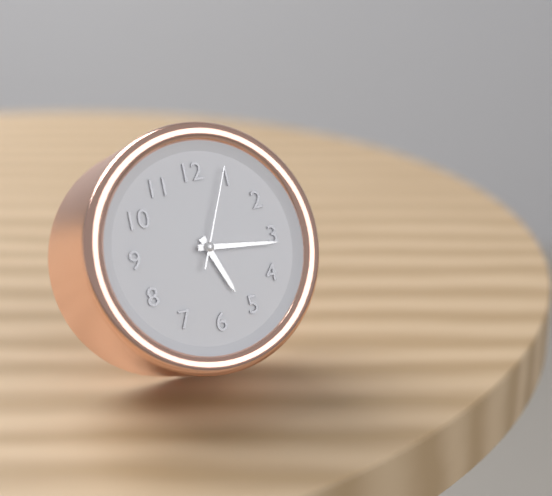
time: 5:16:04
